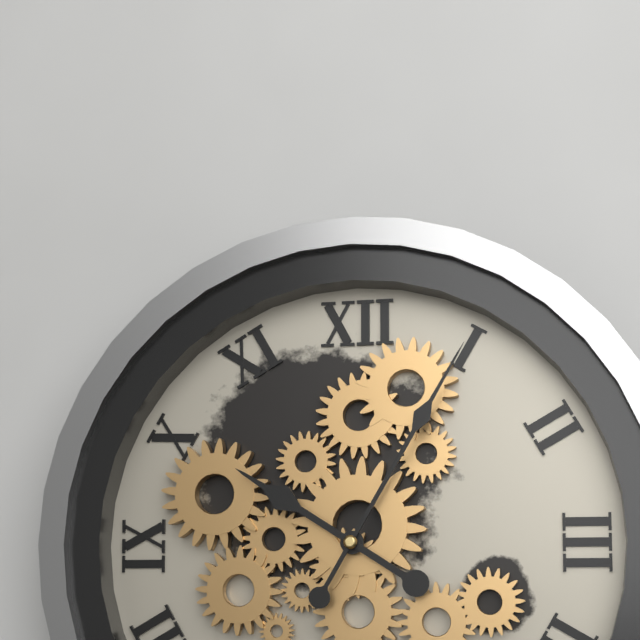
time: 10:05
